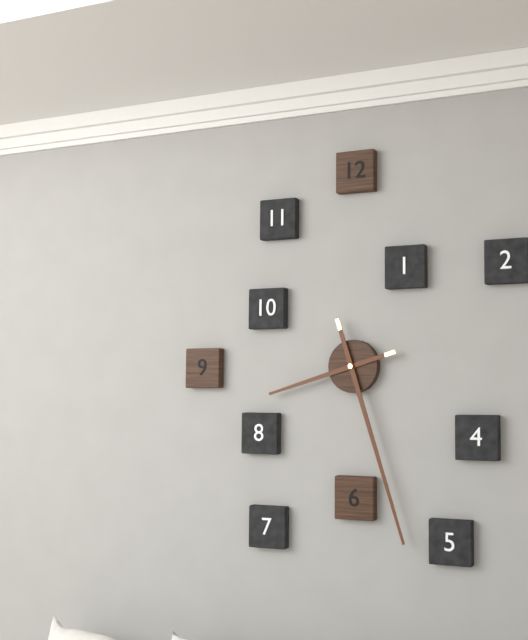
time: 8:27
